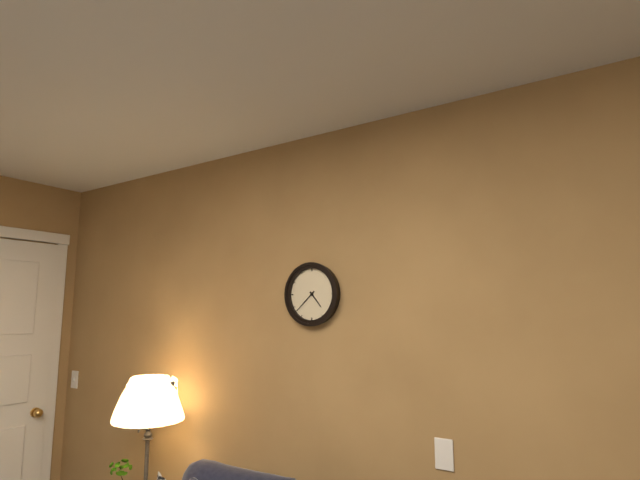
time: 4:38
